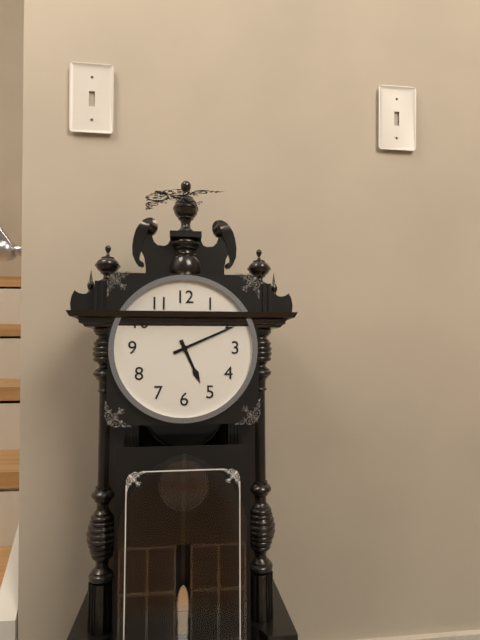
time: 5:11
